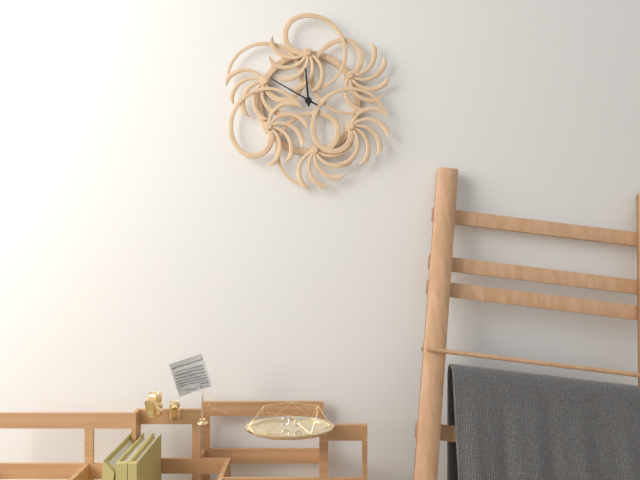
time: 11:50
